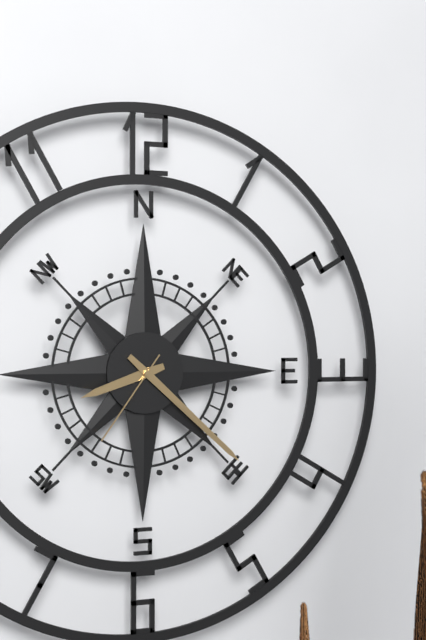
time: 8:22:36
